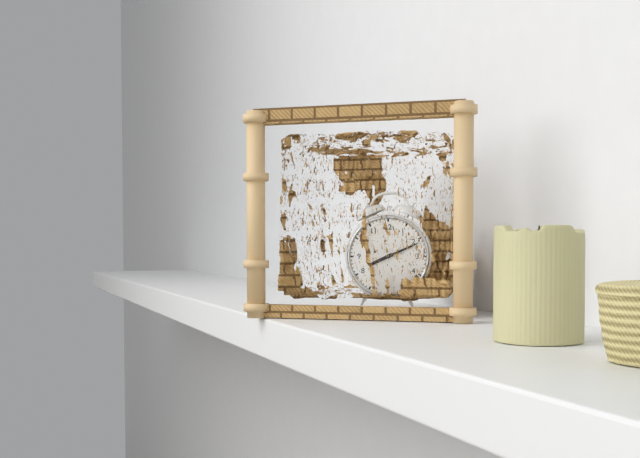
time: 8:11
